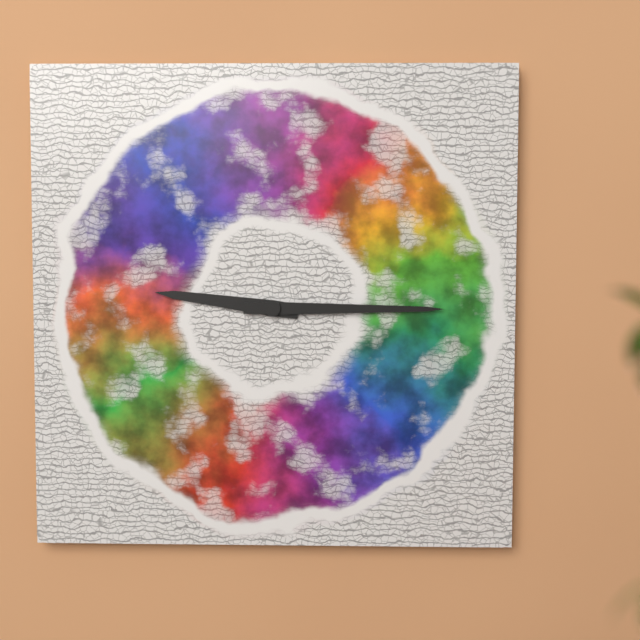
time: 9:15
